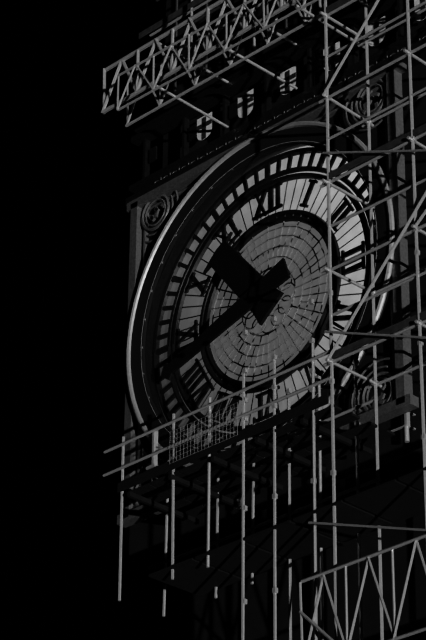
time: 10:42
